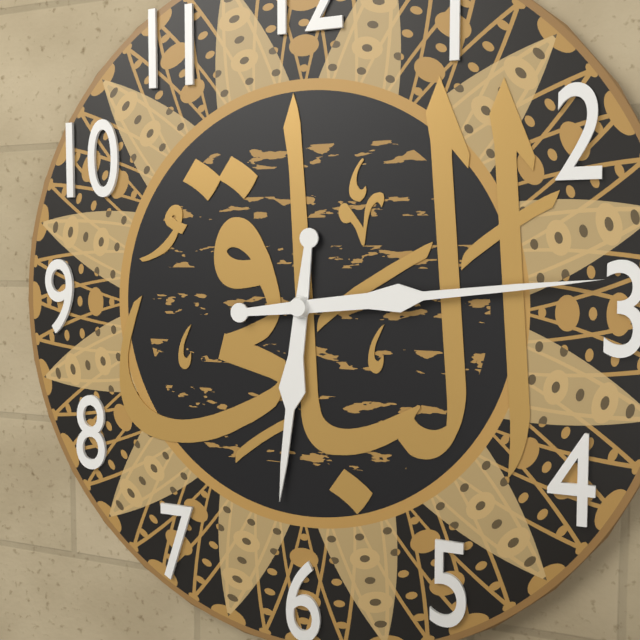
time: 6:14
